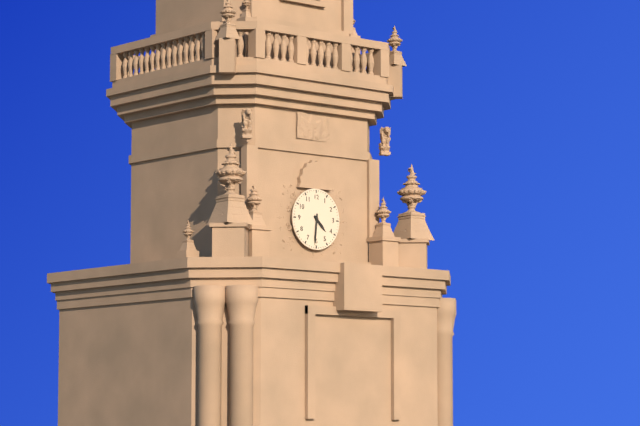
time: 4:31
